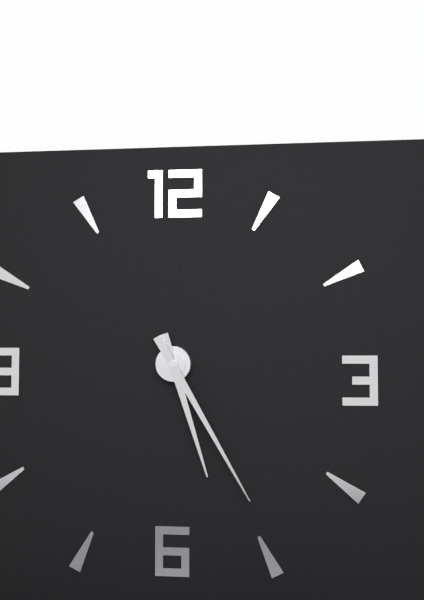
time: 5:25
